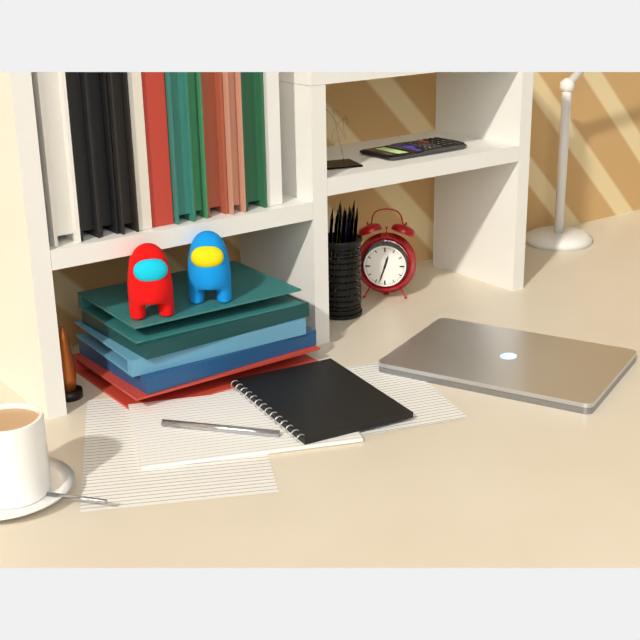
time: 12:33
